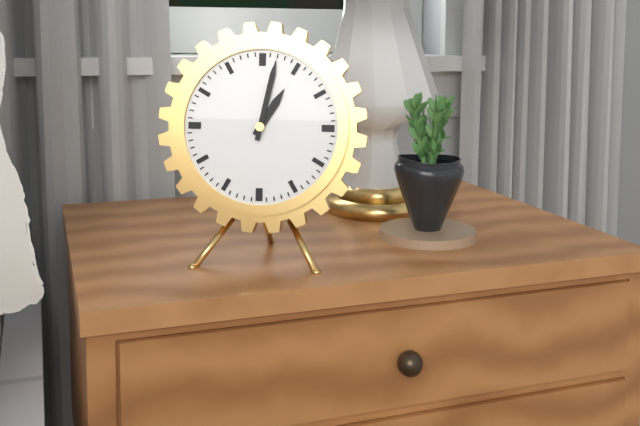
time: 1:02
